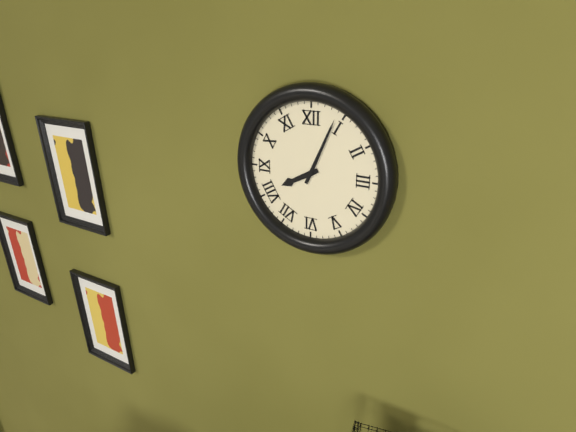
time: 8:04
